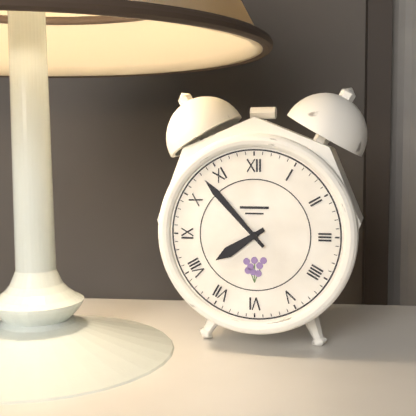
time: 7:53
